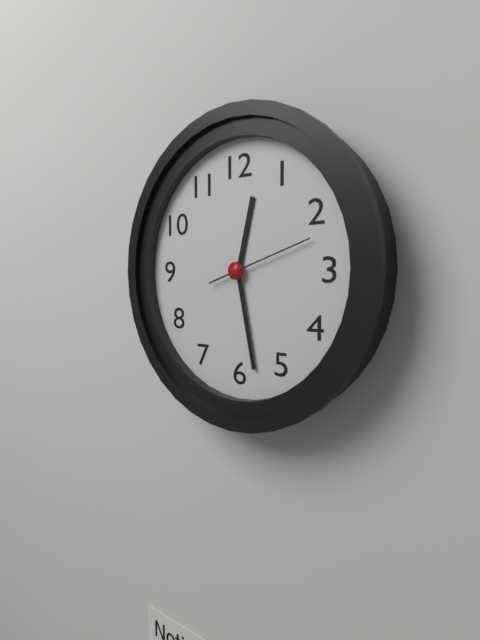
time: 12:28:12
